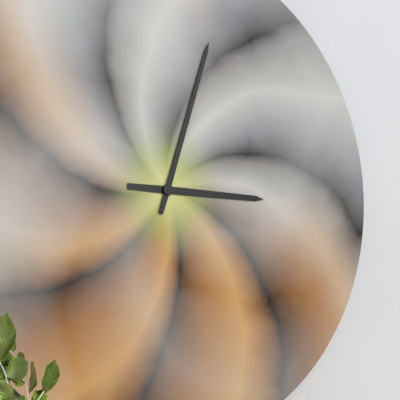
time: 3:03
